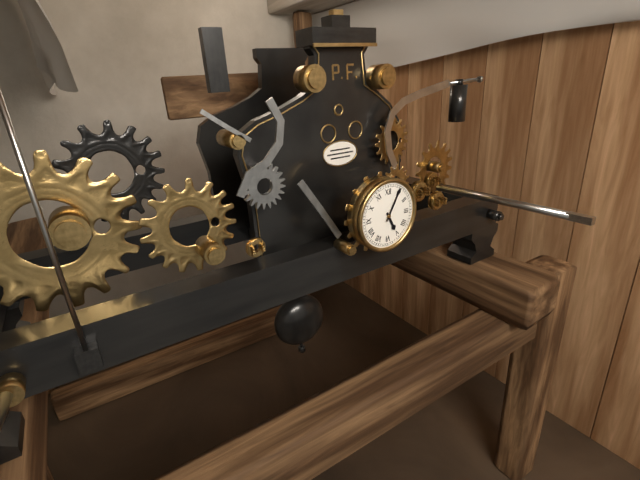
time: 5:05
